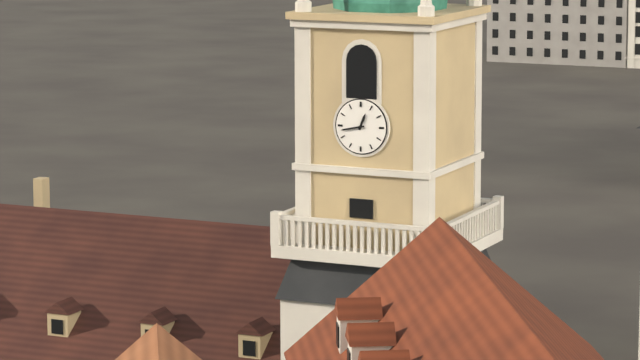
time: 12:43
